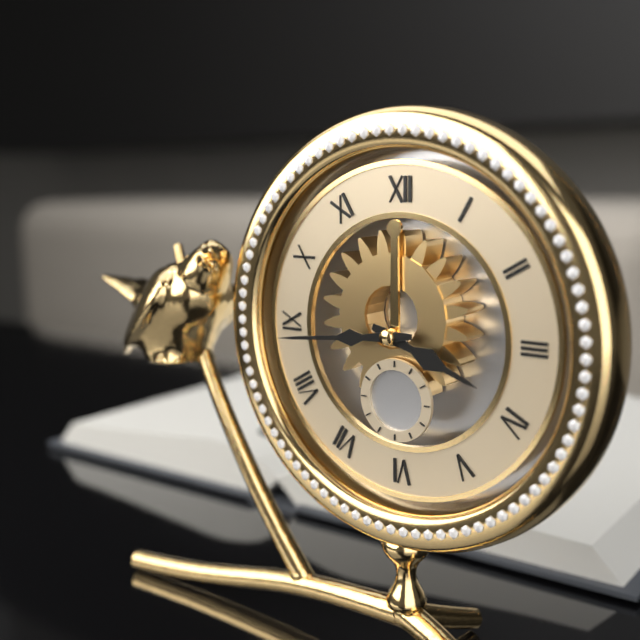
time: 3:44
